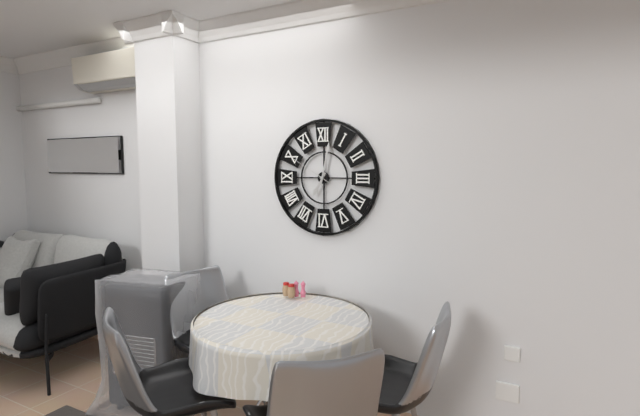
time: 7:02
